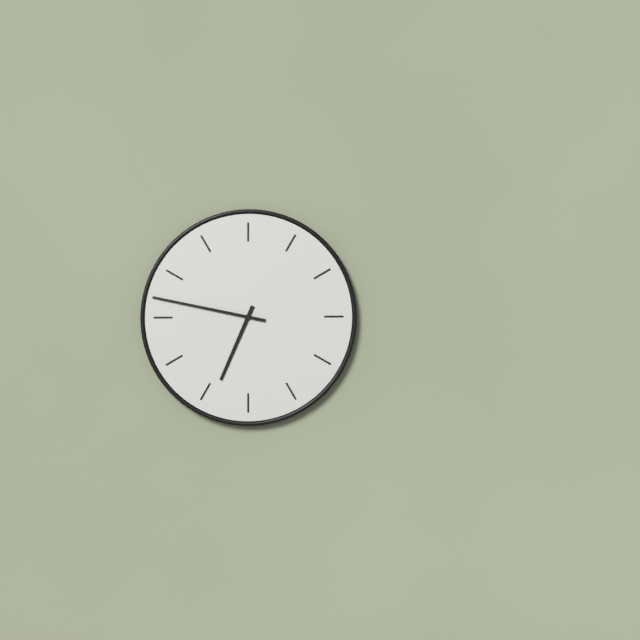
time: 6:47
